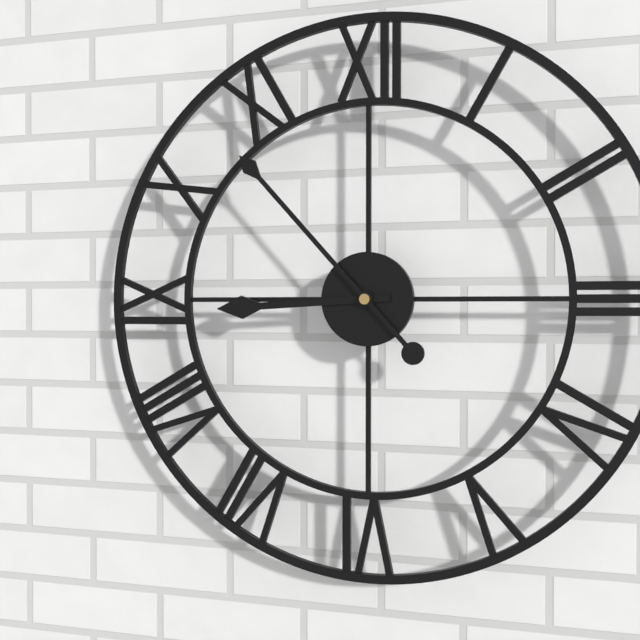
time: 8:53
